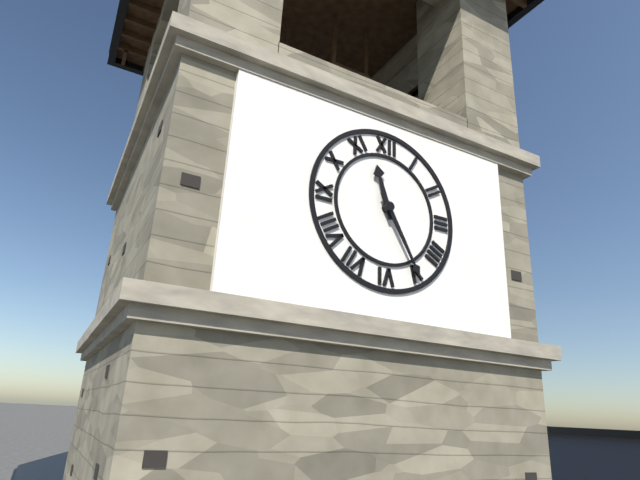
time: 11:25
